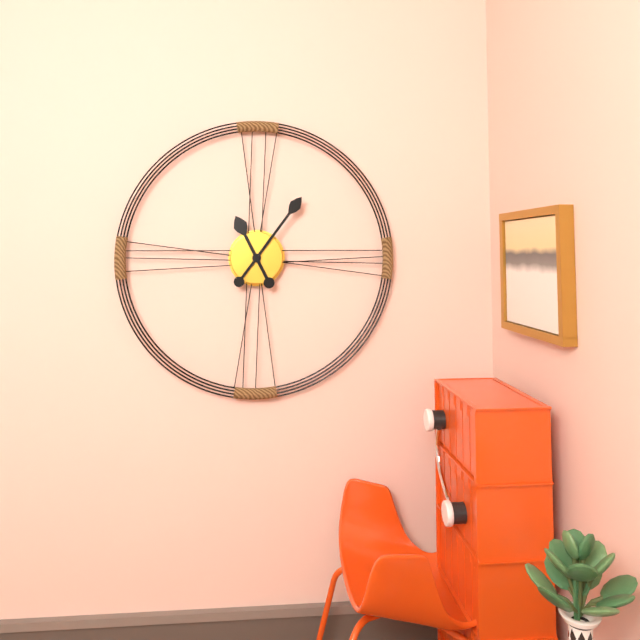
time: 11:06
